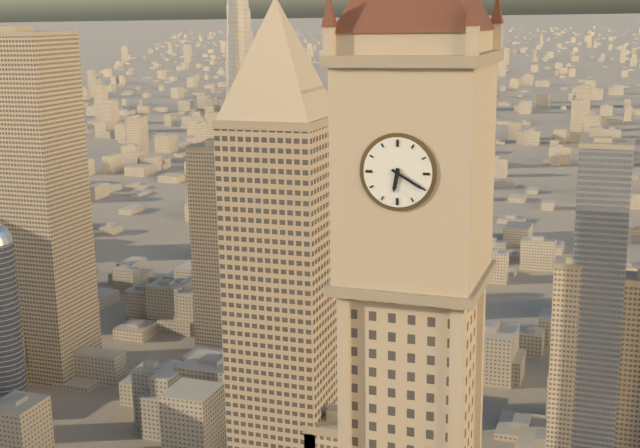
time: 6:20
